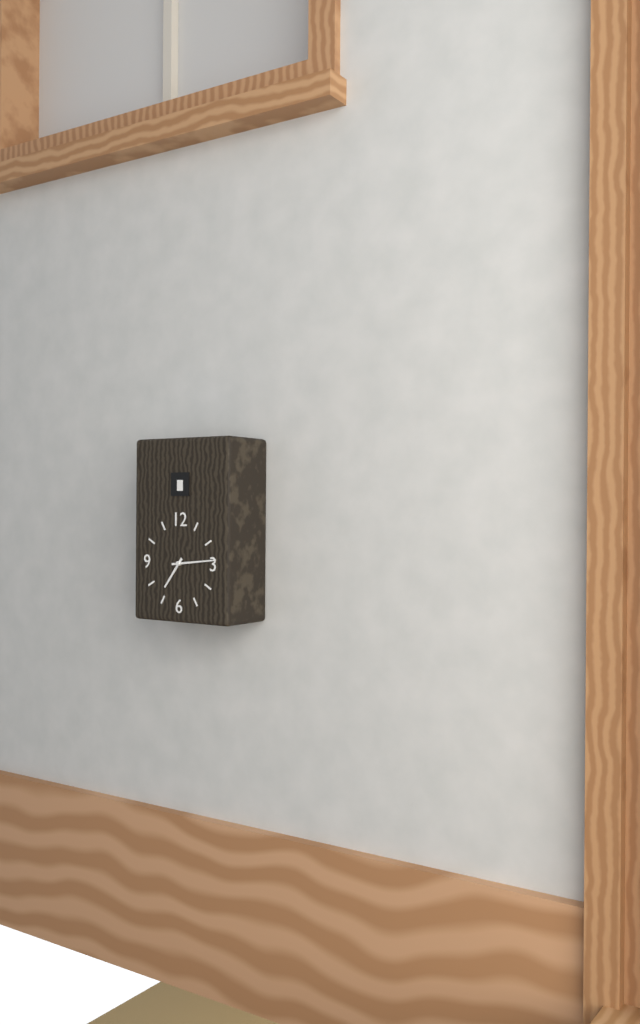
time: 7:14
